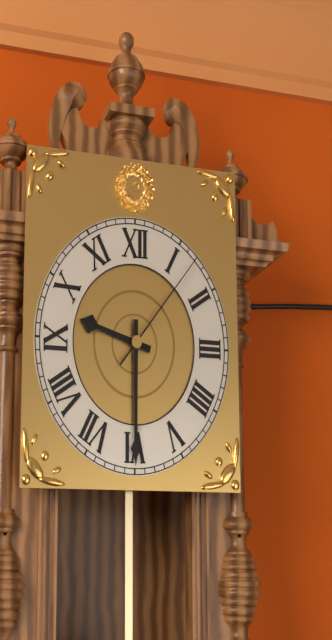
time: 9:30:07
